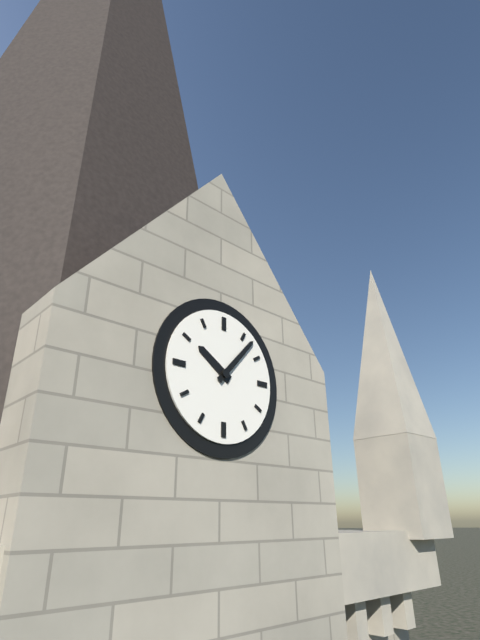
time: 10:07
